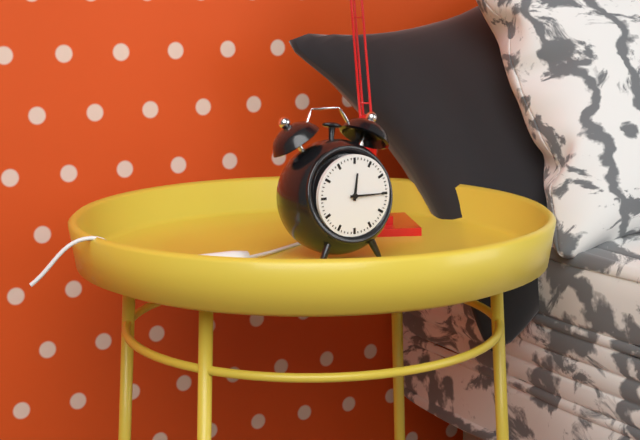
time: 12:15
